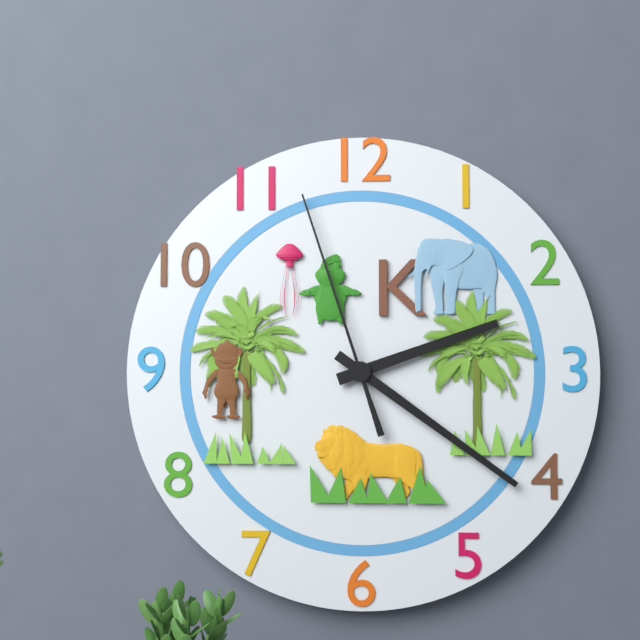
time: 2:21:57
